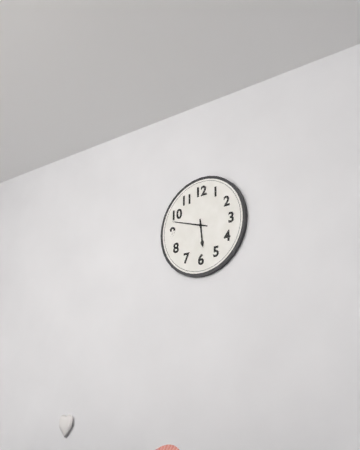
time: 5:48
